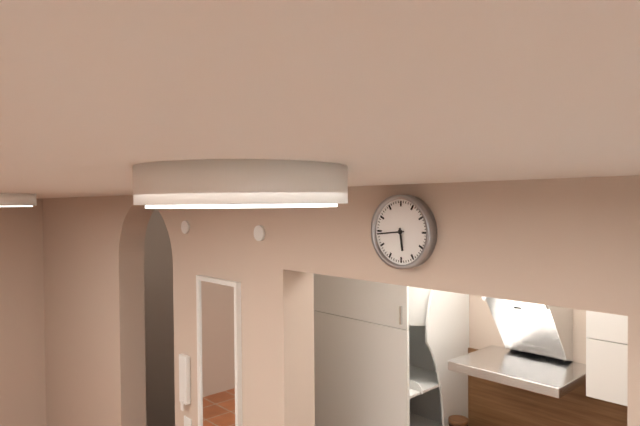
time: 5:44
